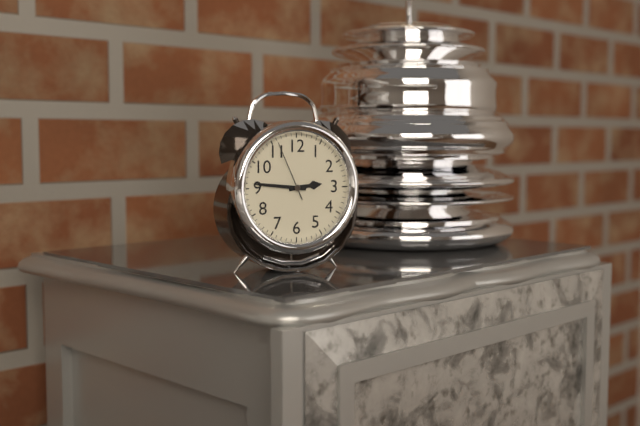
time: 2:46:56
